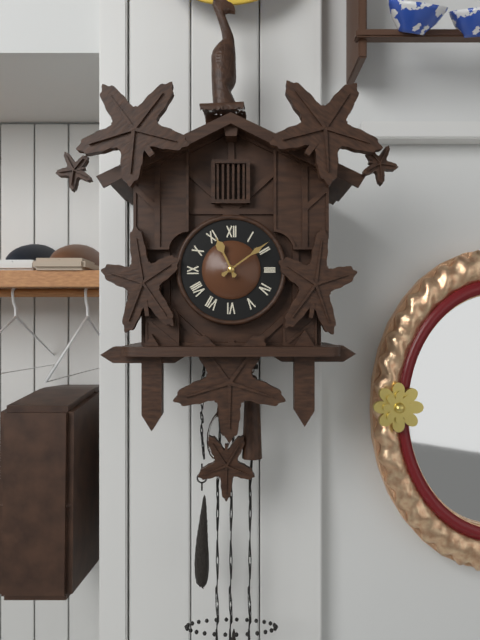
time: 11:09
